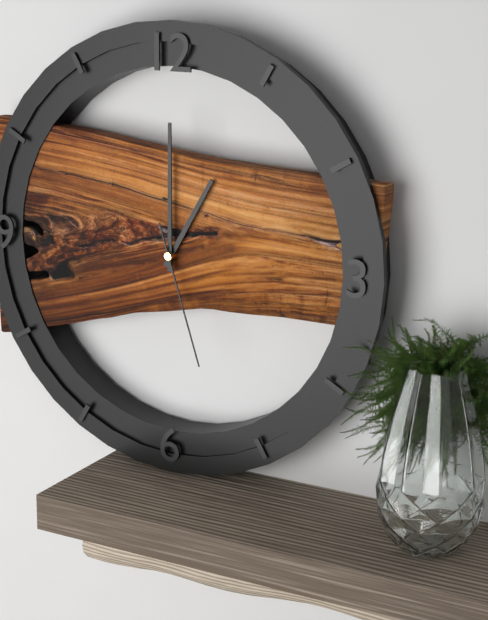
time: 1:00:27
